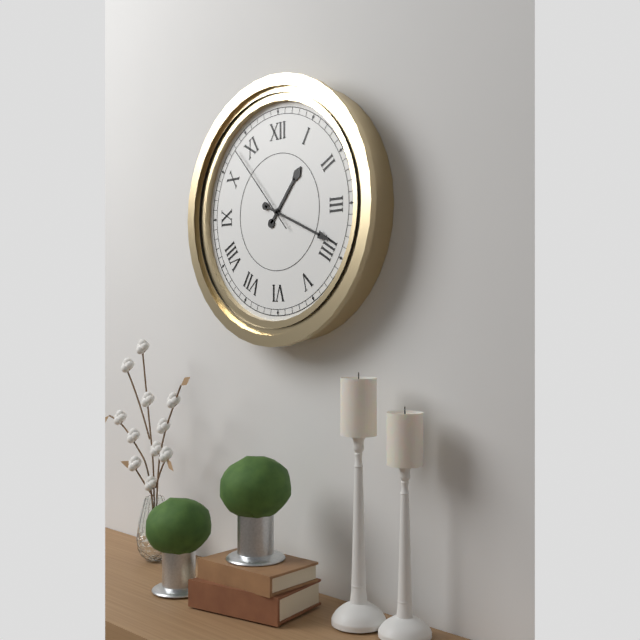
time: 1:19:53
